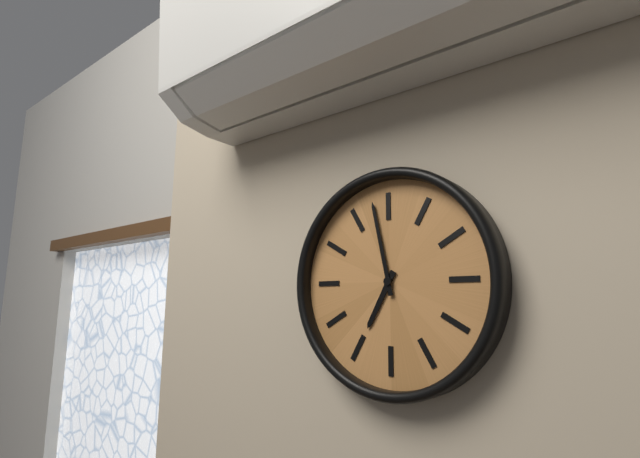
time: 6:58
